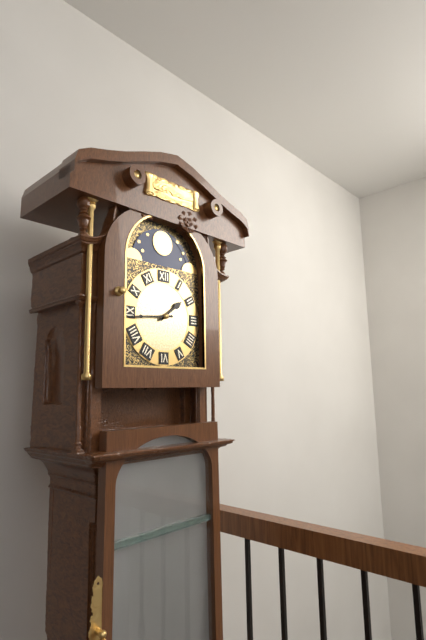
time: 1:44
